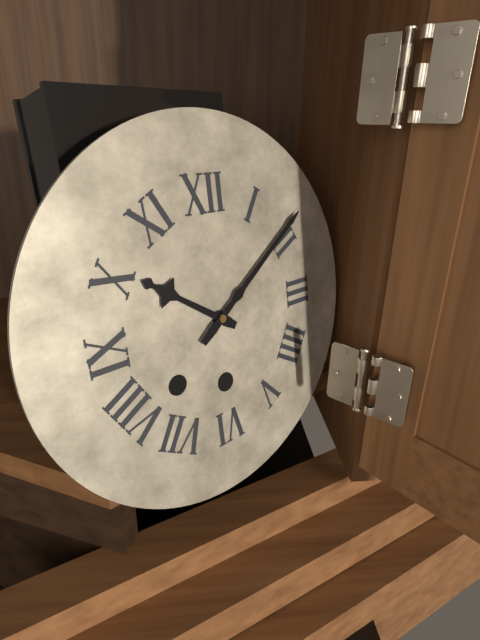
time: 10:09
